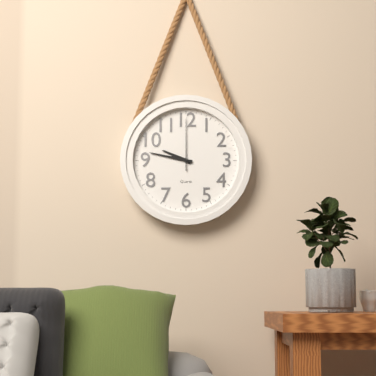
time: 9:47:00
